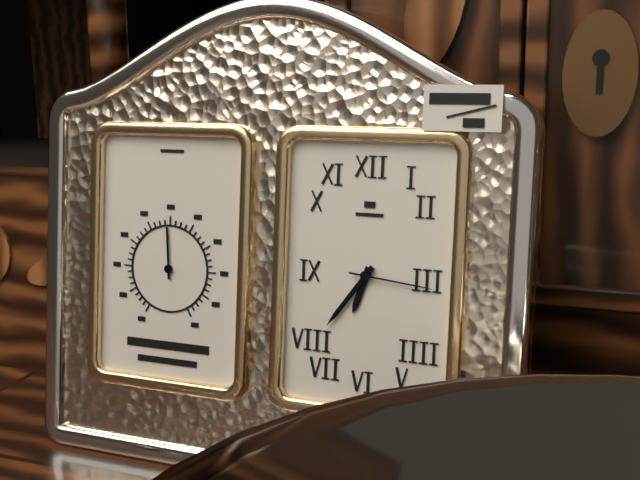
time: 6:36:16
